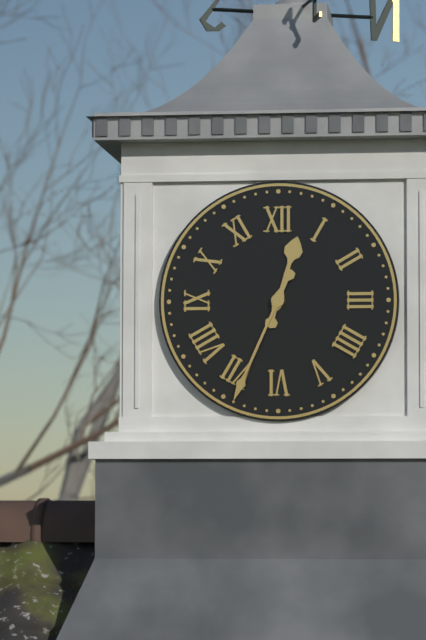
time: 12:34
